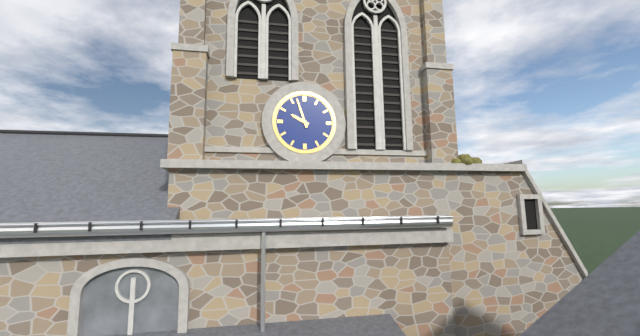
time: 9:57
